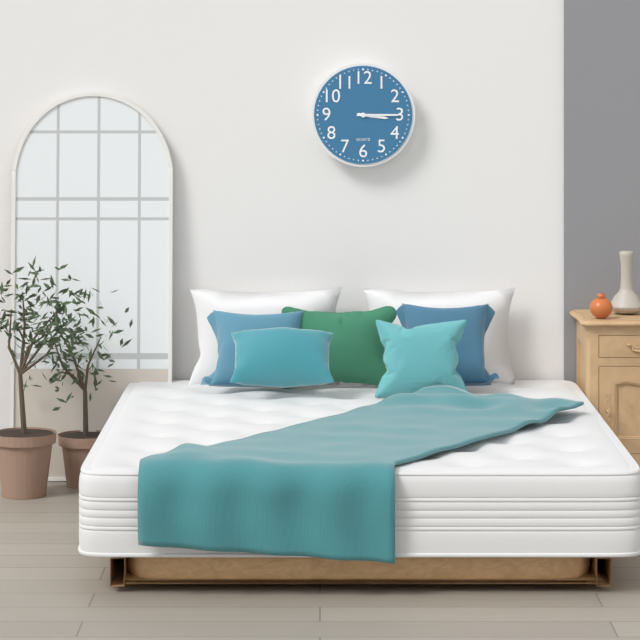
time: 3:15
